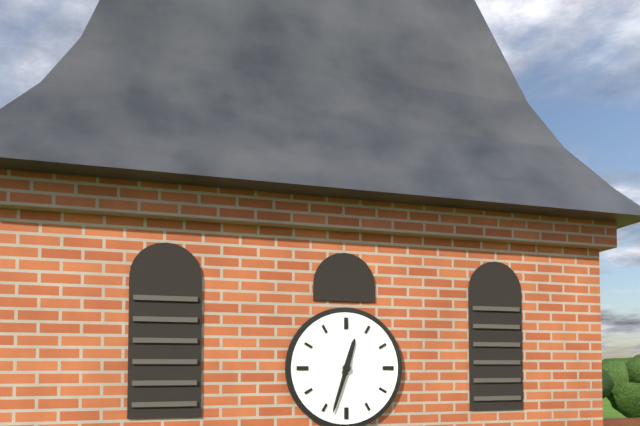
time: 12:33
